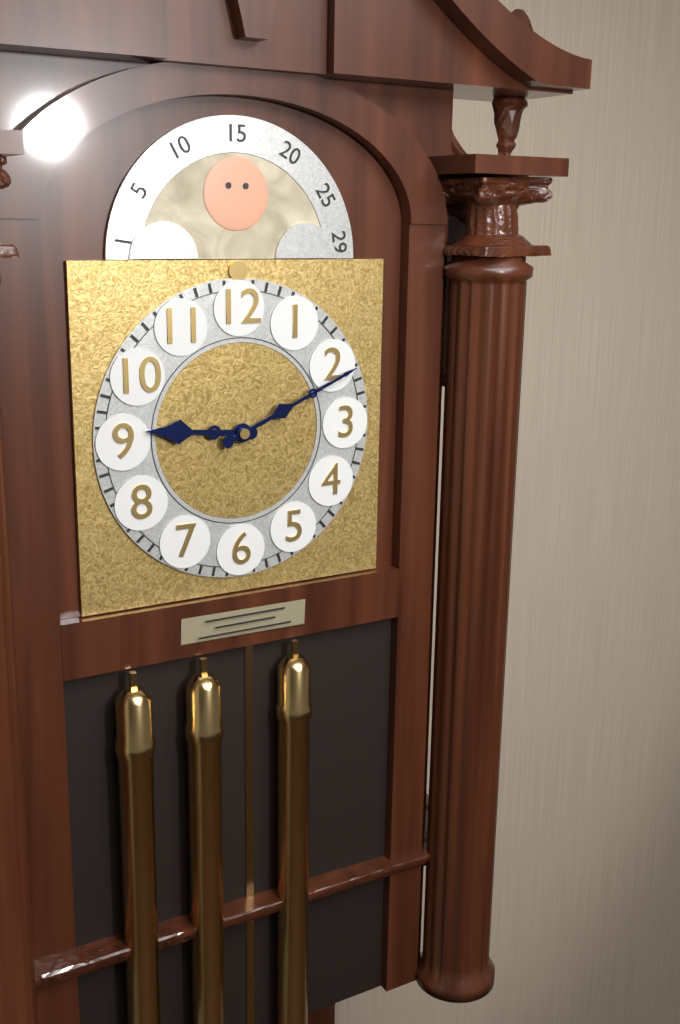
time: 9:11
